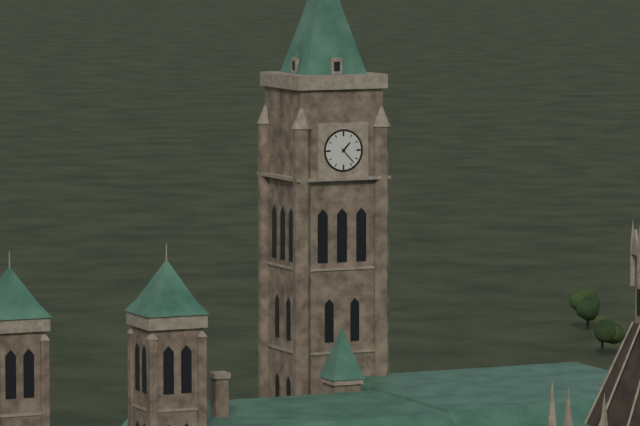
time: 1:23
